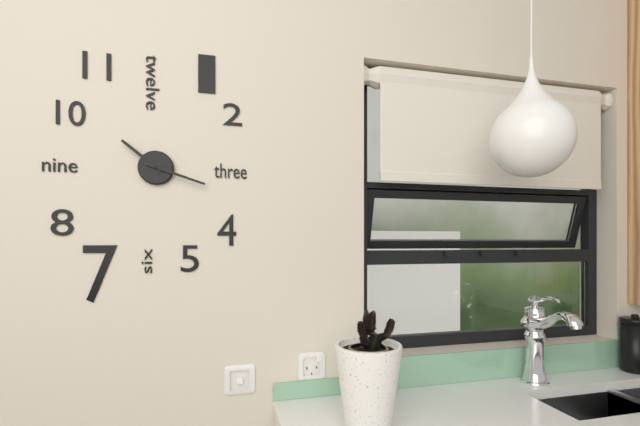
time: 10:18
